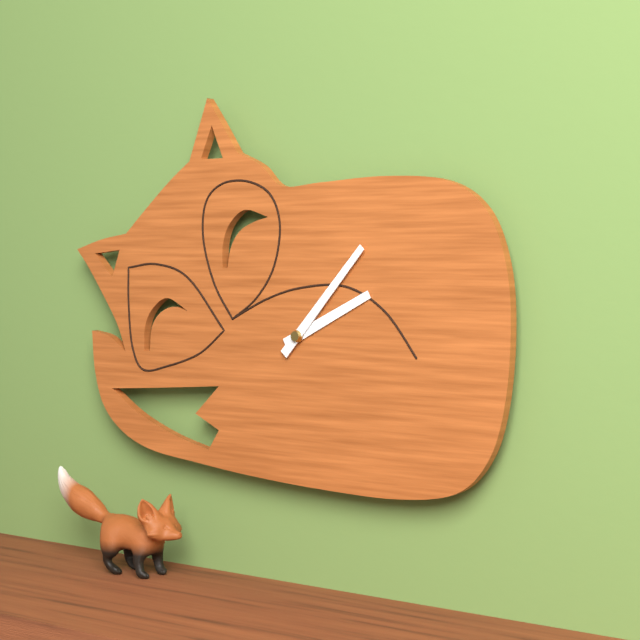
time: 2:07
